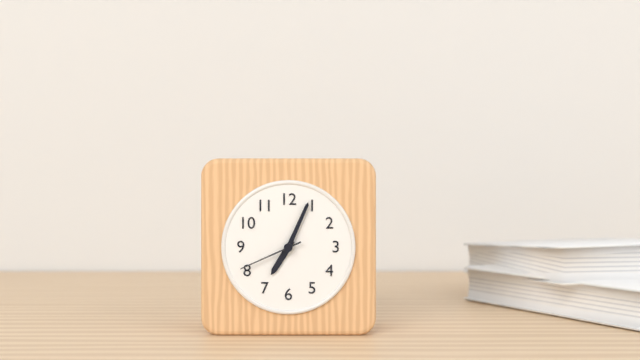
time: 7:04:41
